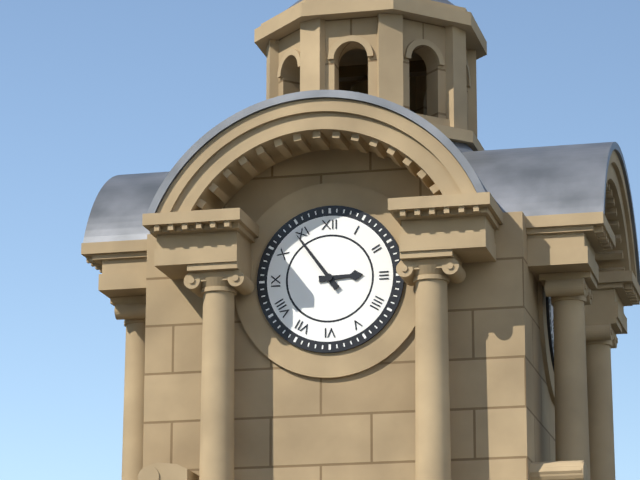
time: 2:54
